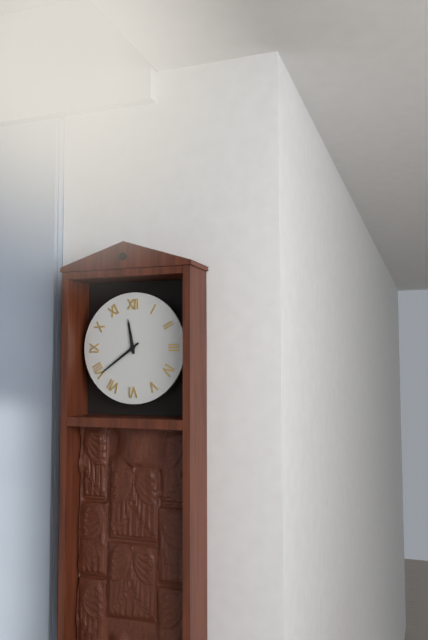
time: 11:39
